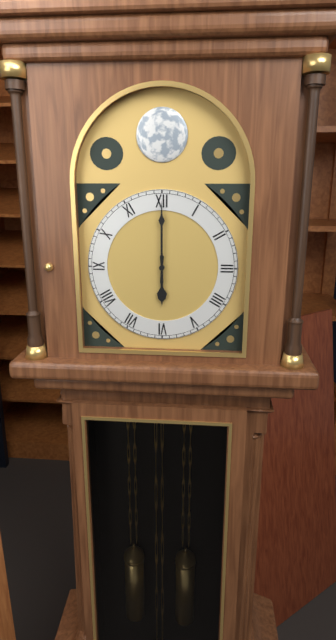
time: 6:00
